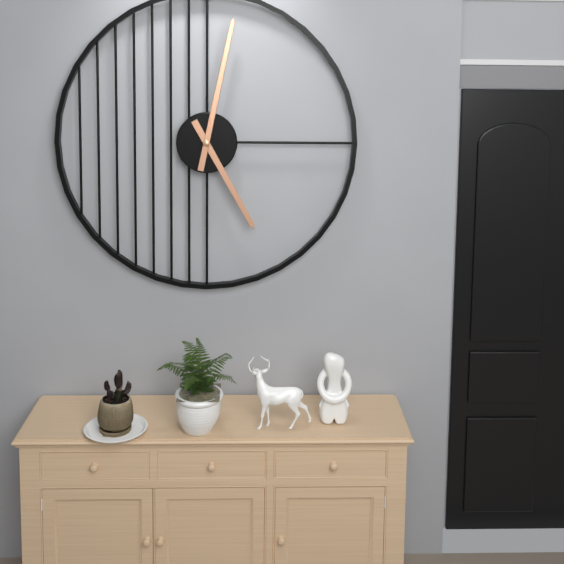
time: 5:02
